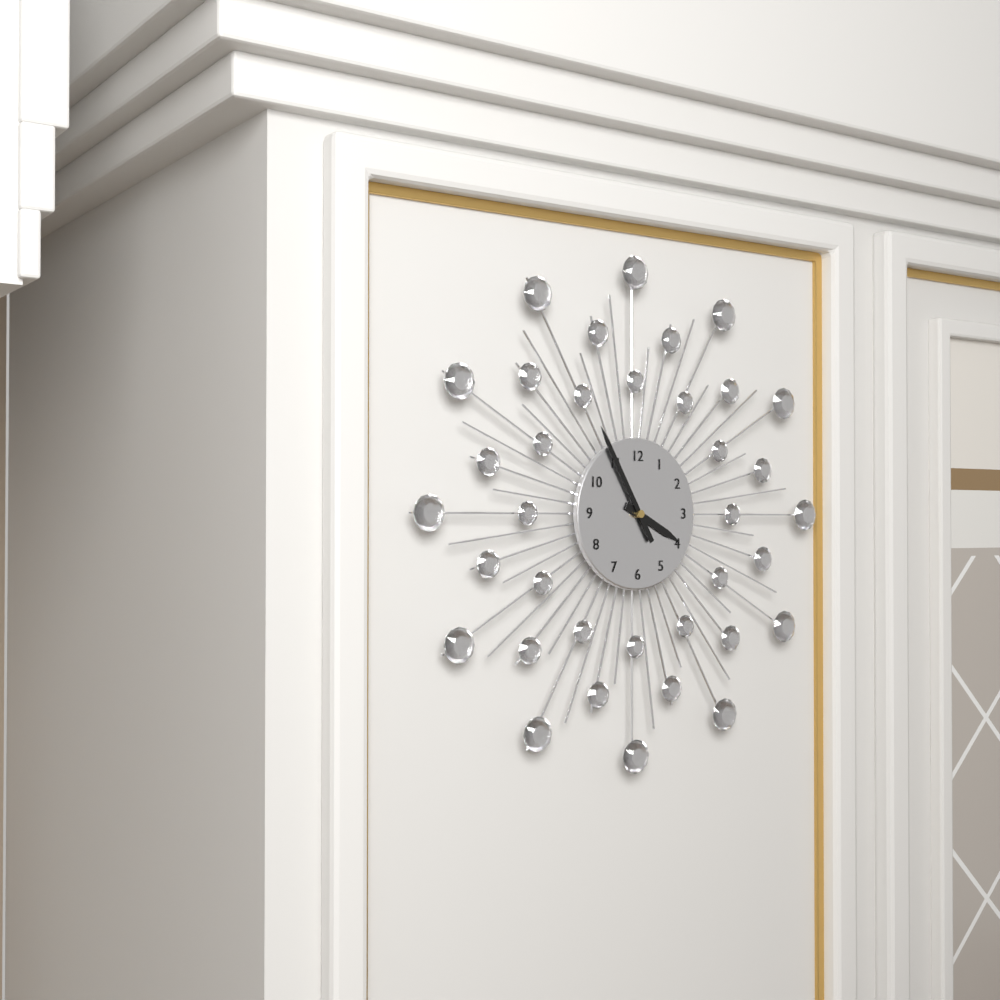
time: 3:55
